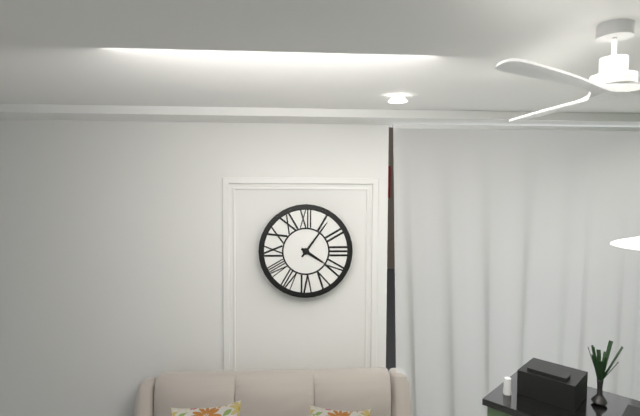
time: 4:06
